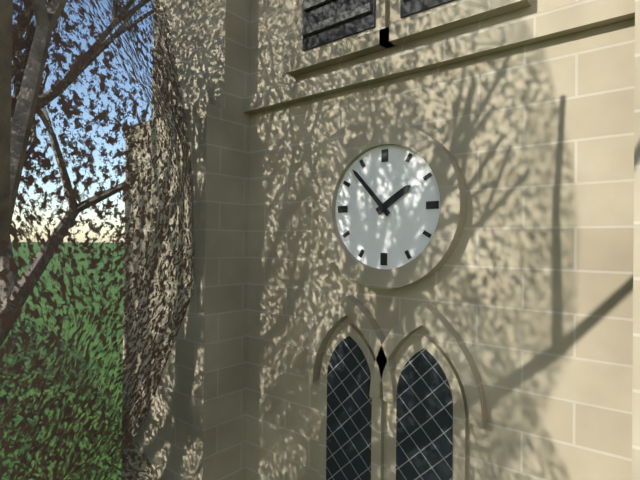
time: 1:53
